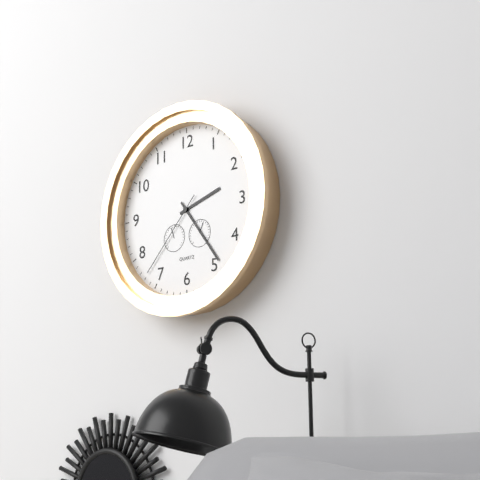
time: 2:24:37
